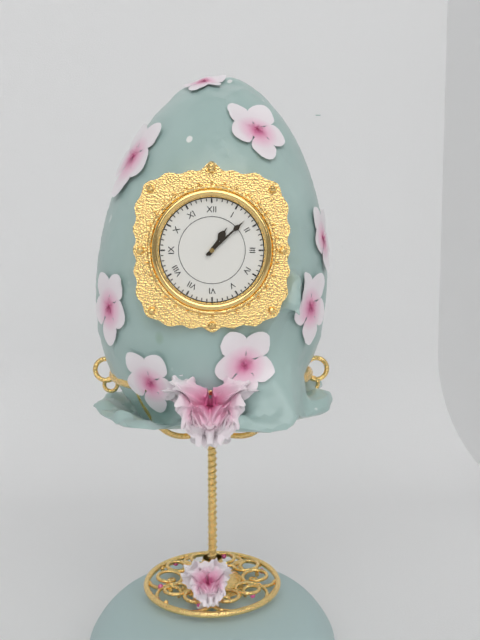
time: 1:08
